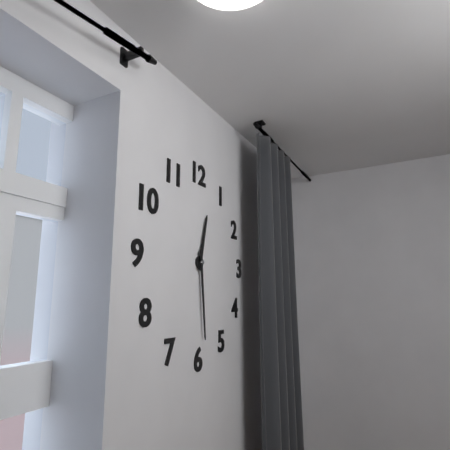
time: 12:29
